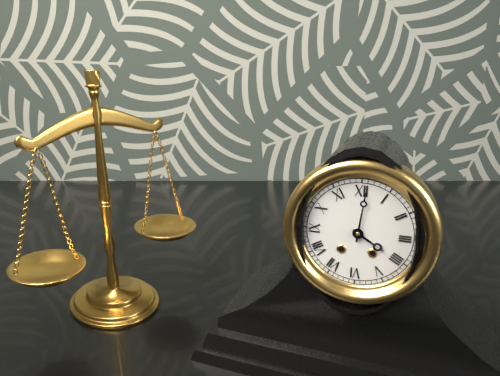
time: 4:01
